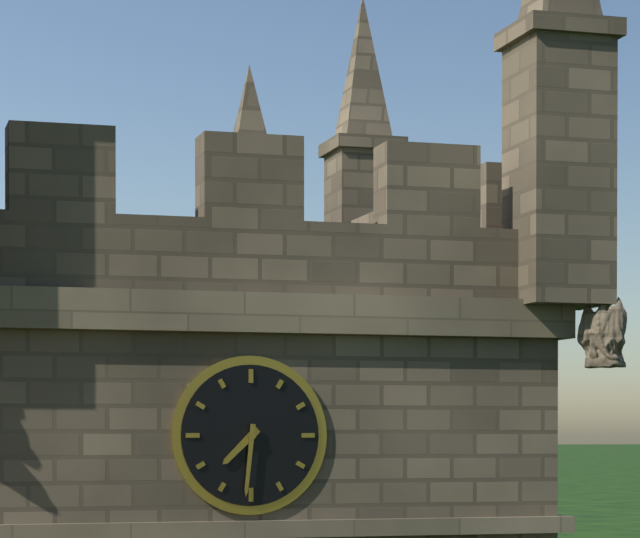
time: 7:31
